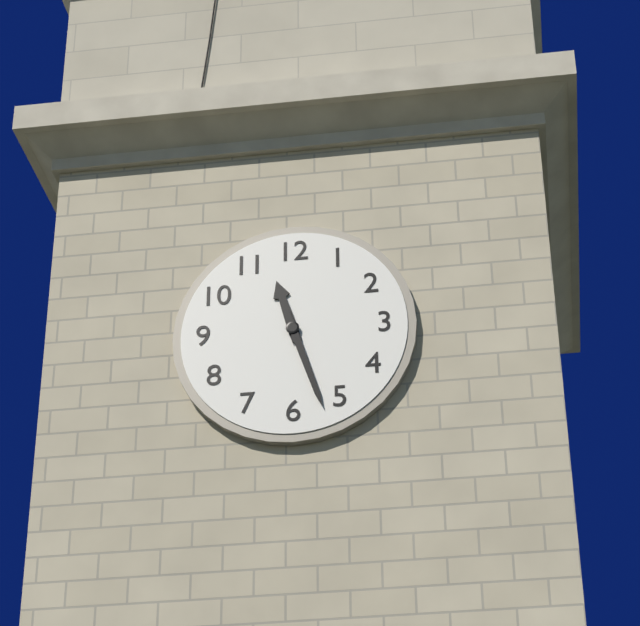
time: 11:27
